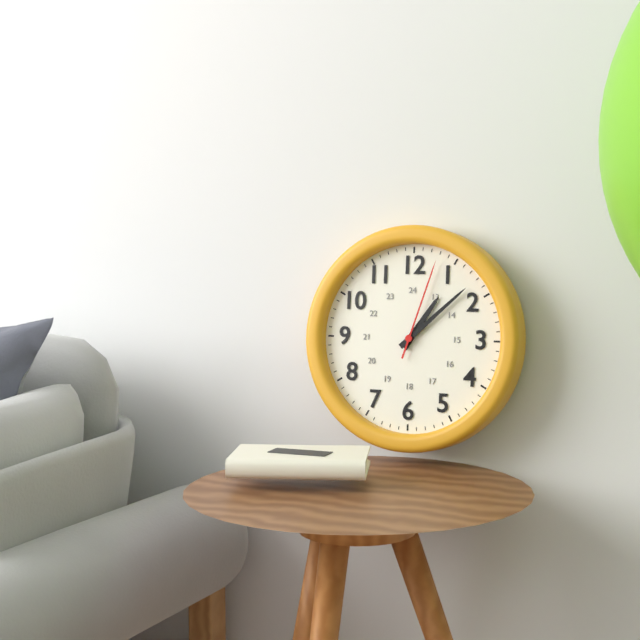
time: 1:08:03
